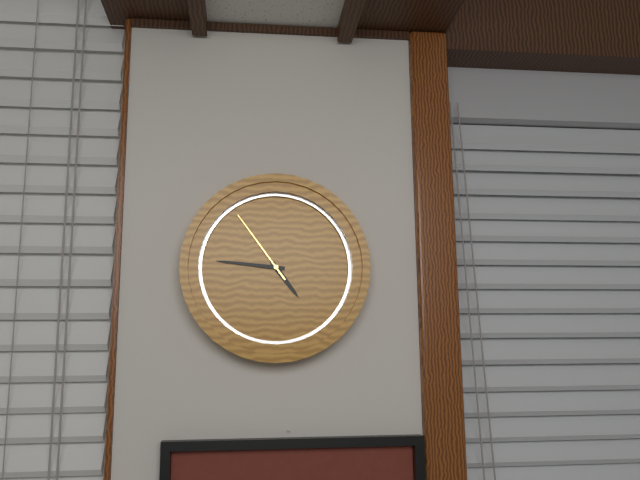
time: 4:46:54
